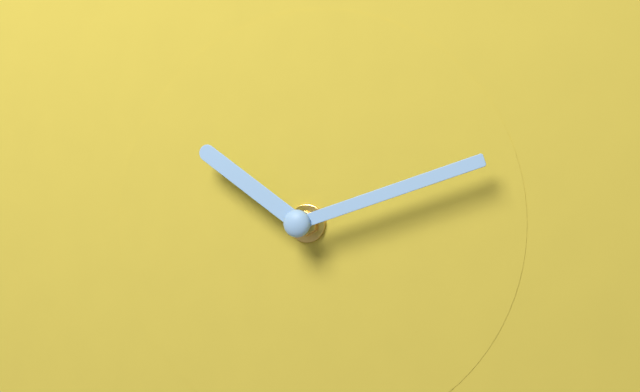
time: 10:12
